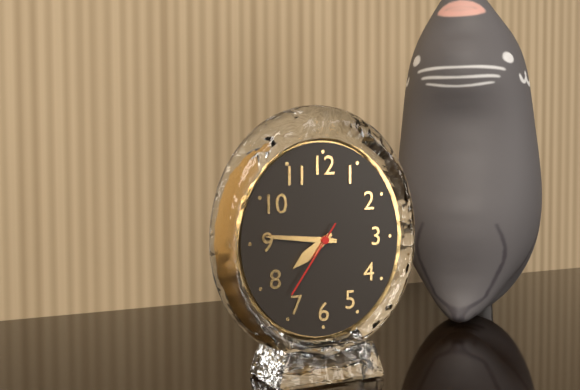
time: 7:46:36
